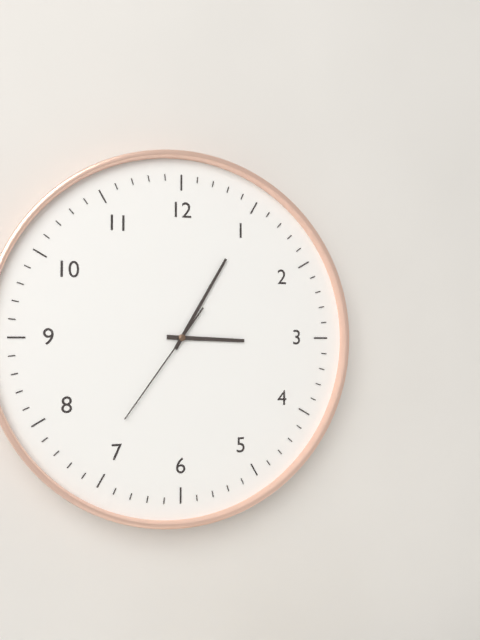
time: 3:05:36
